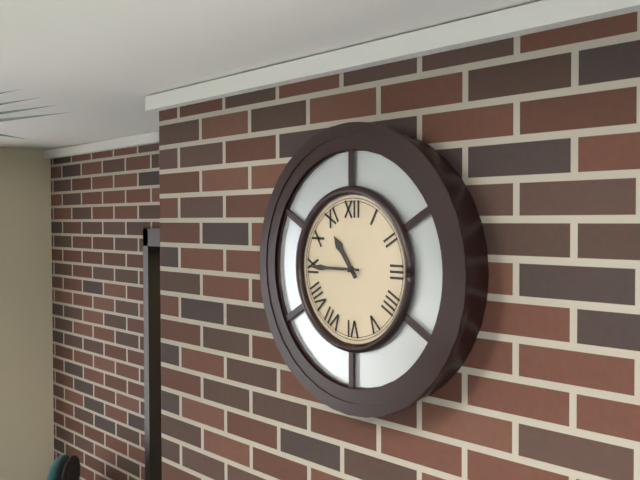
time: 10:45
